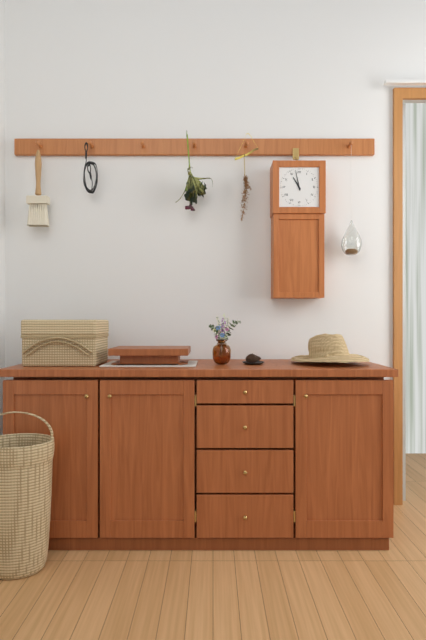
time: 10:58
